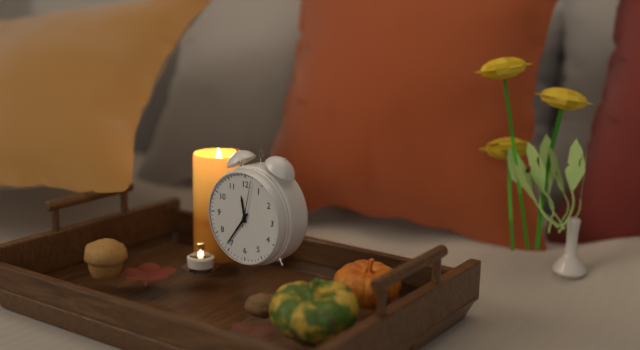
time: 11:36
